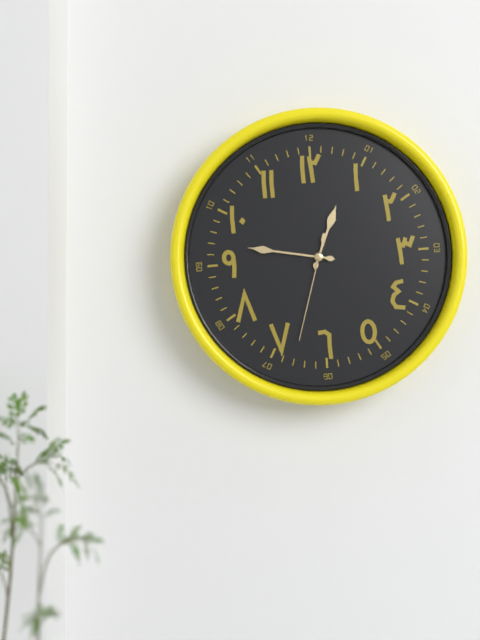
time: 12:47:33
